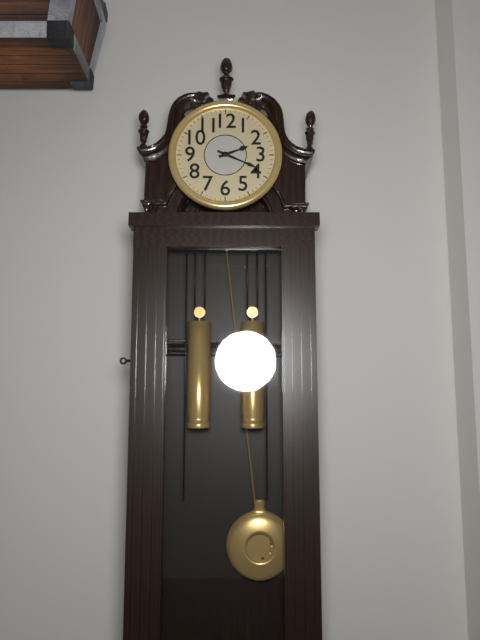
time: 2:19
